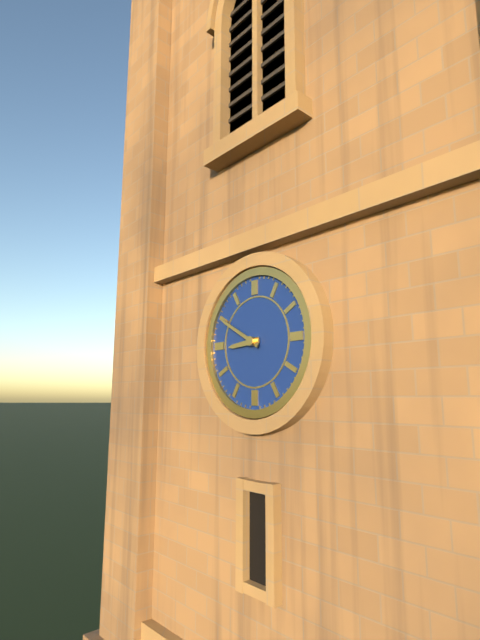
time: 8:50
